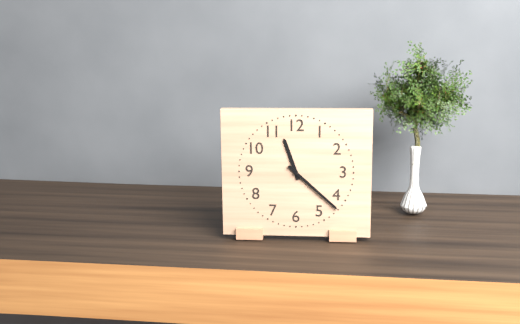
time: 11:22
